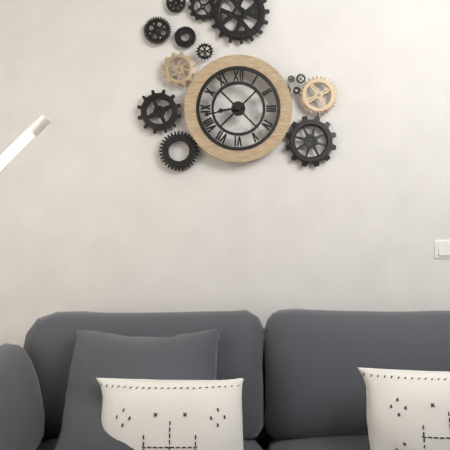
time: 8:43
